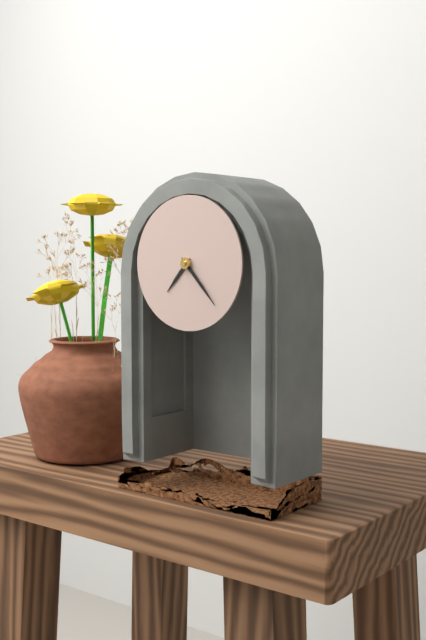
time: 7:23
